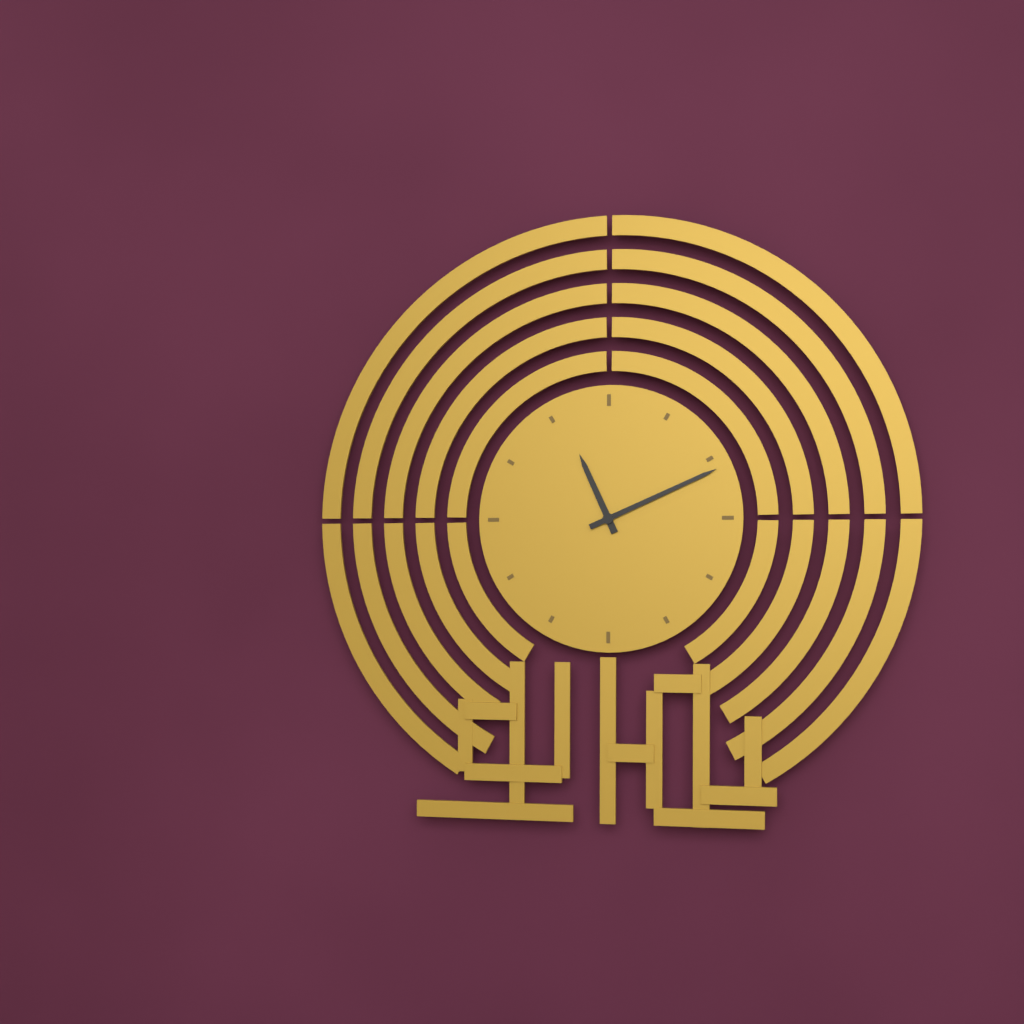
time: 11:11
